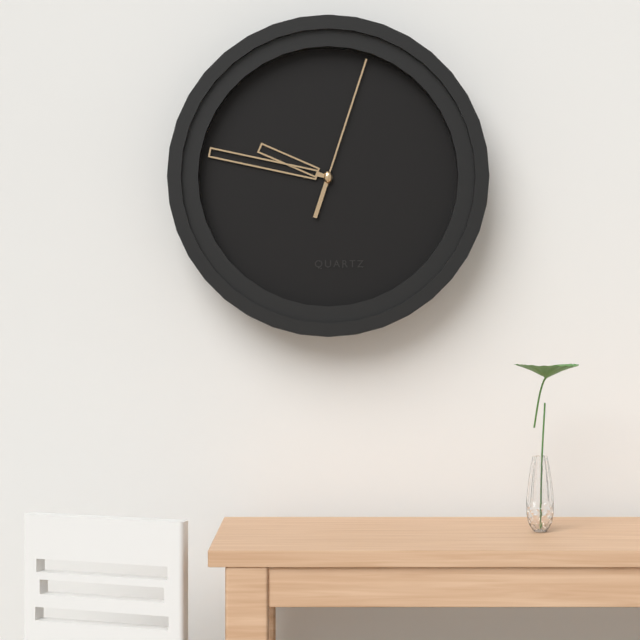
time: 9:47:03
